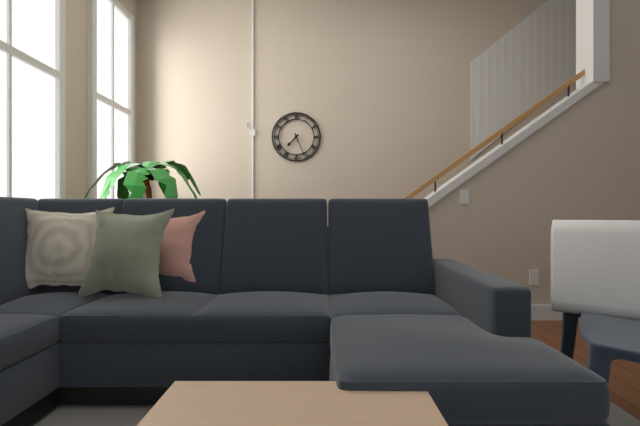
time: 7:26
